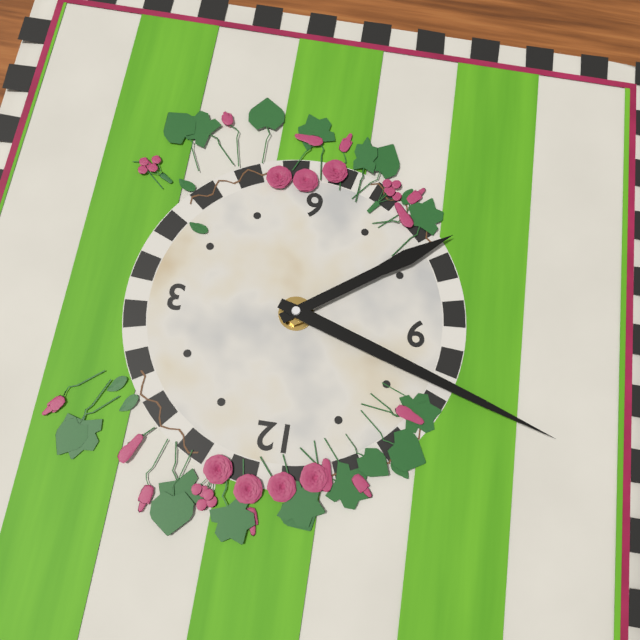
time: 7:48
